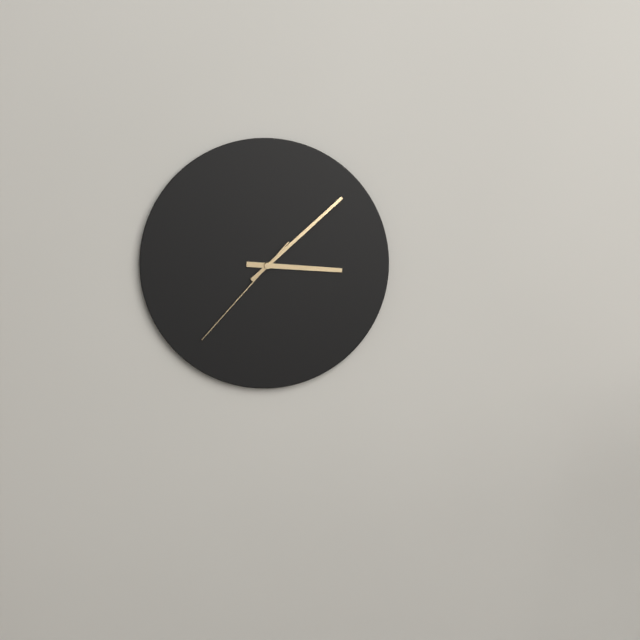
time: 3:08:37
